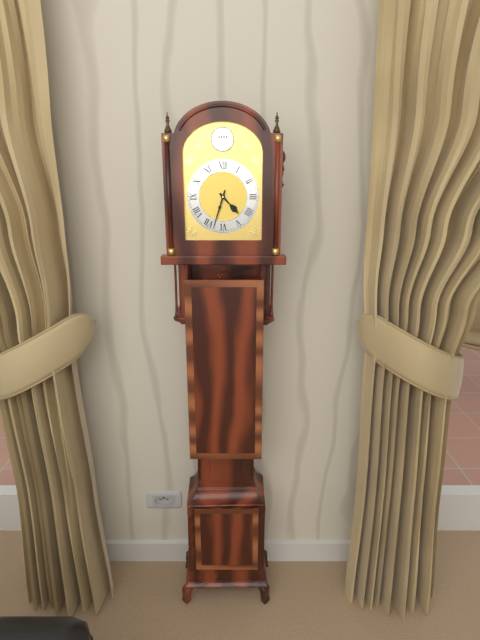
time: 4:33
